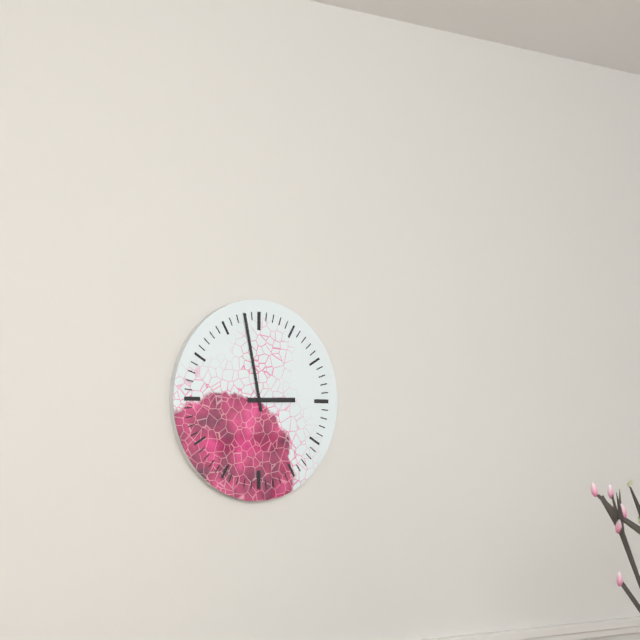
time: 2:58
